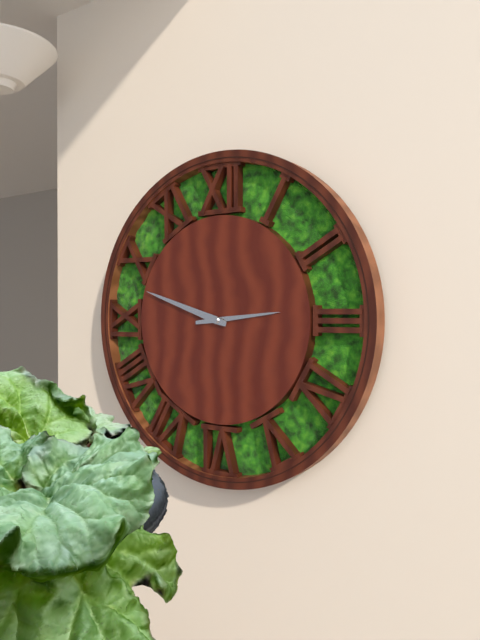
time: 2:48
